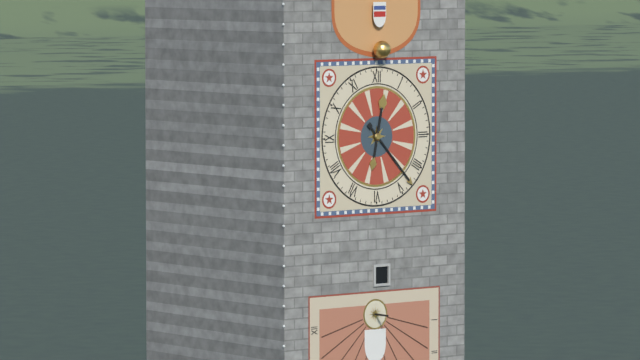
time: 12:23
